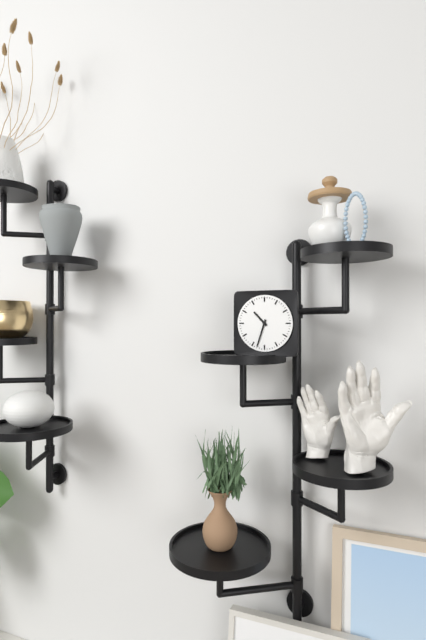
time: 10:33
